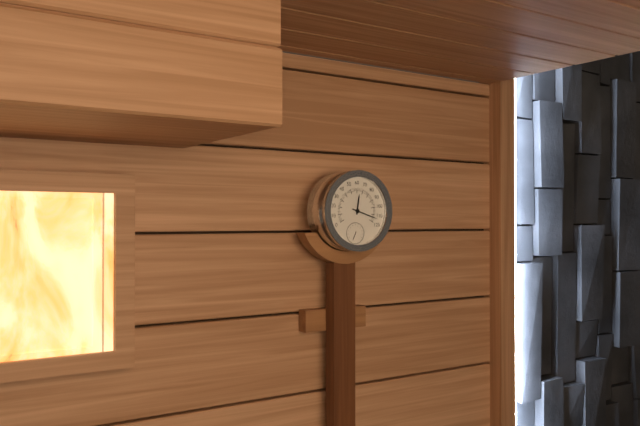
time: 12:18
